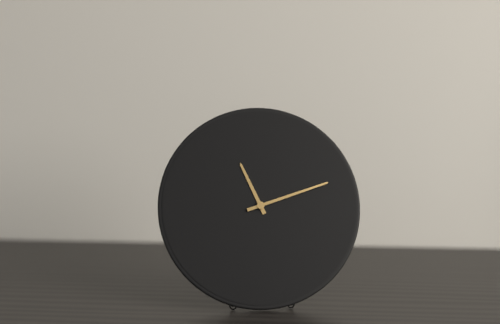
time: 11:12
